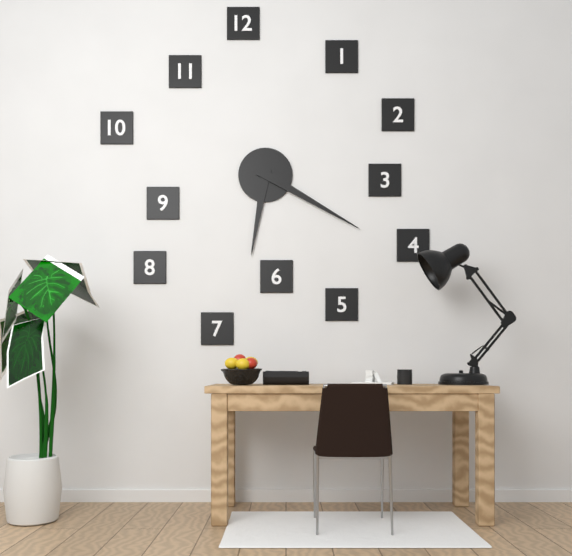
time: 6:20
